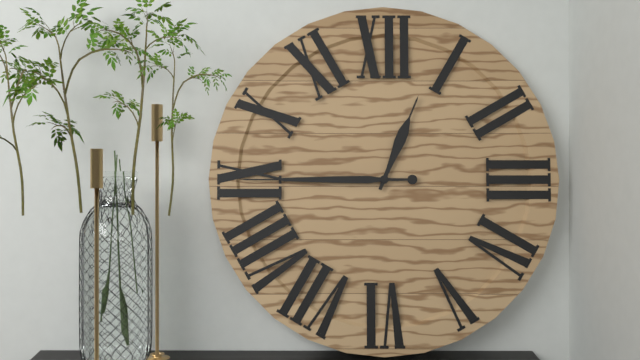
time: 12:45
